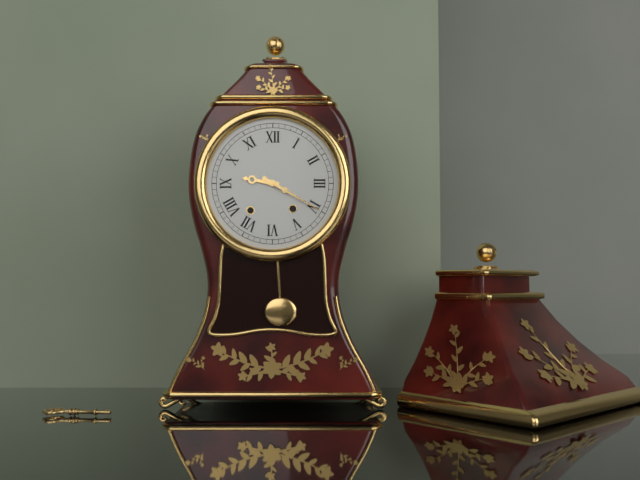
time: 9:20
